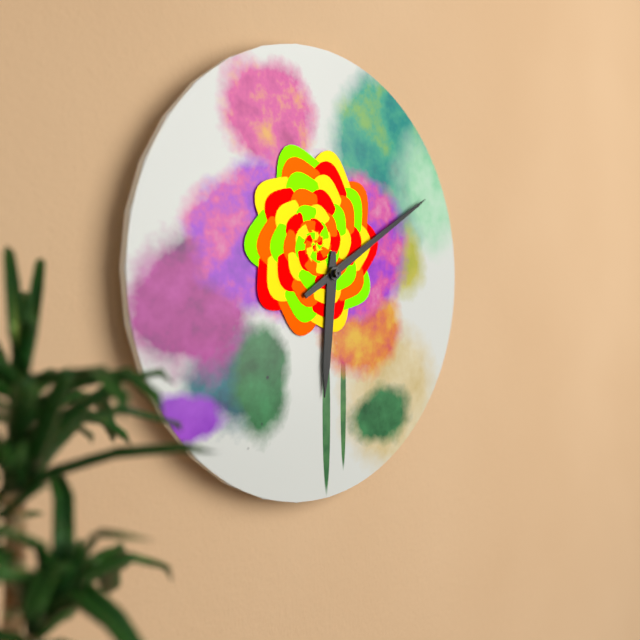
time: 6:10
